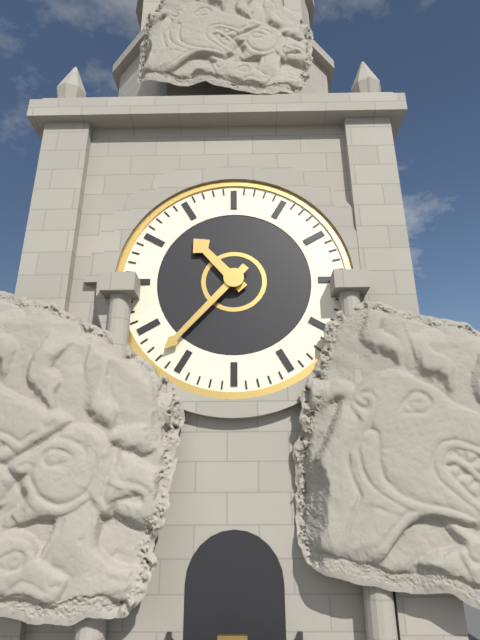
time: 10:37
